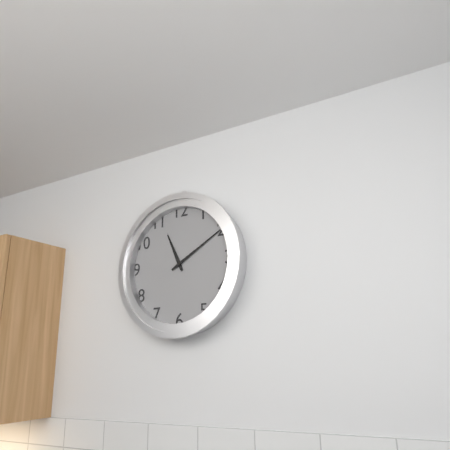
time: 11:10
